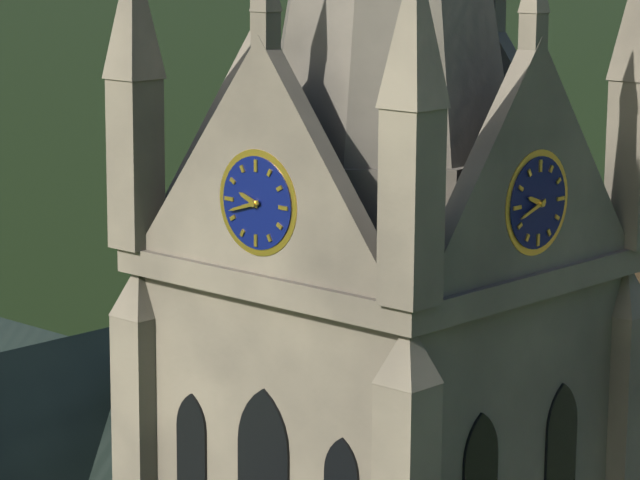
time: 9:42
